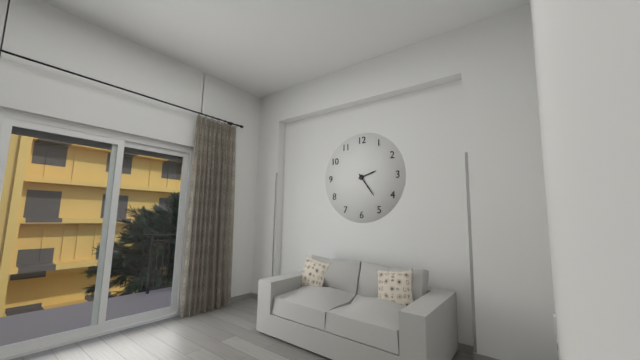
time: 2:24
